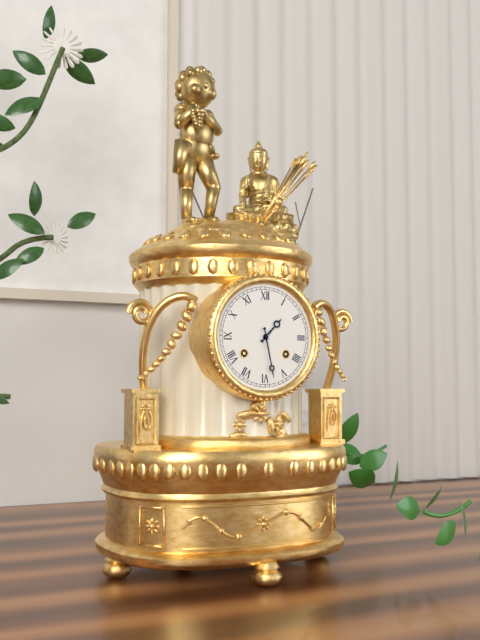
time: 1:28
